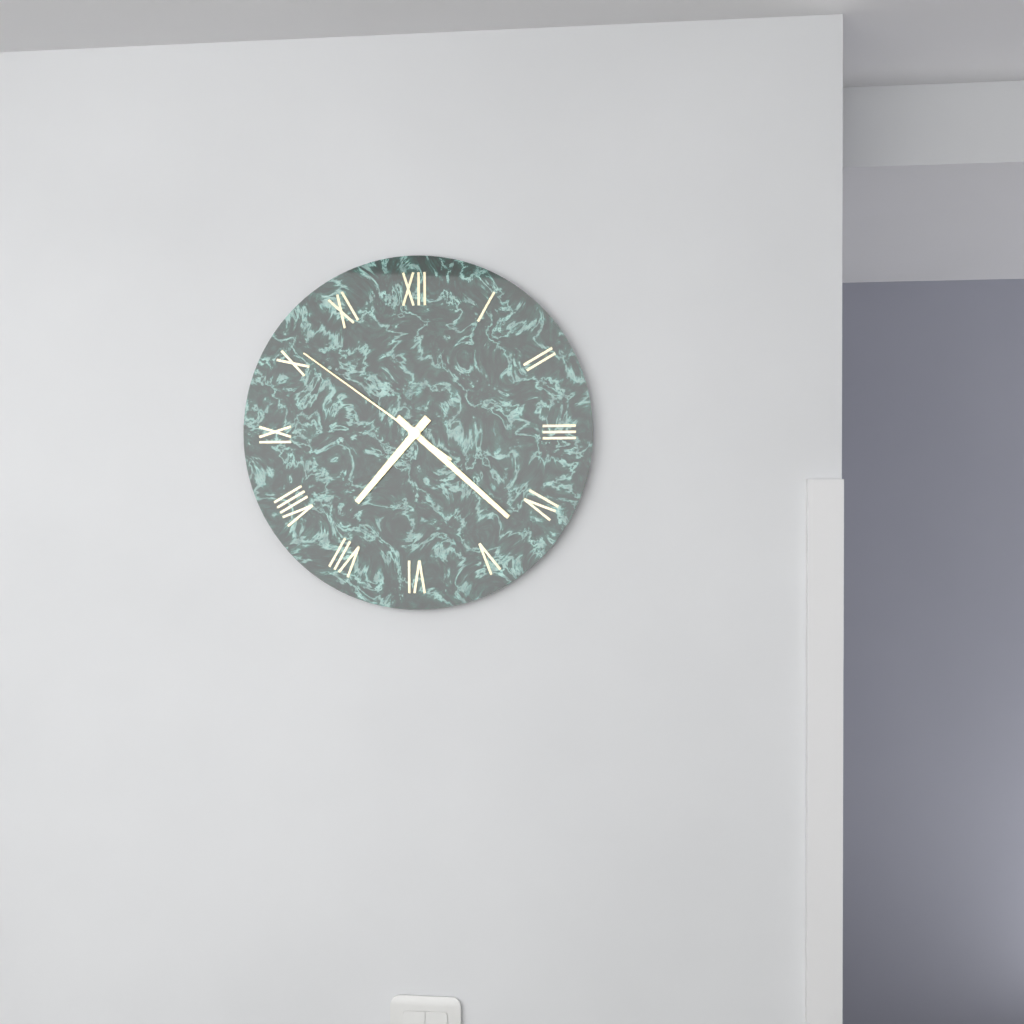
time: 7:22:51
